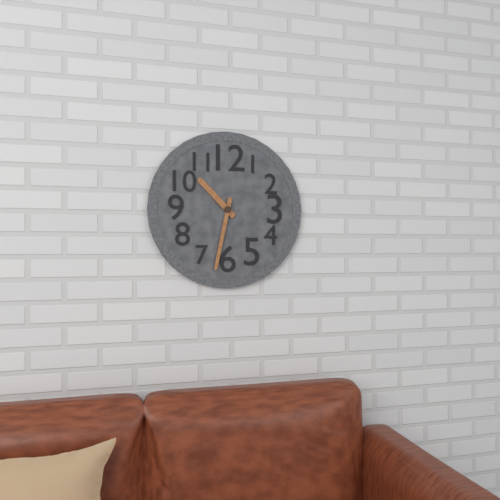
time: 10:32
